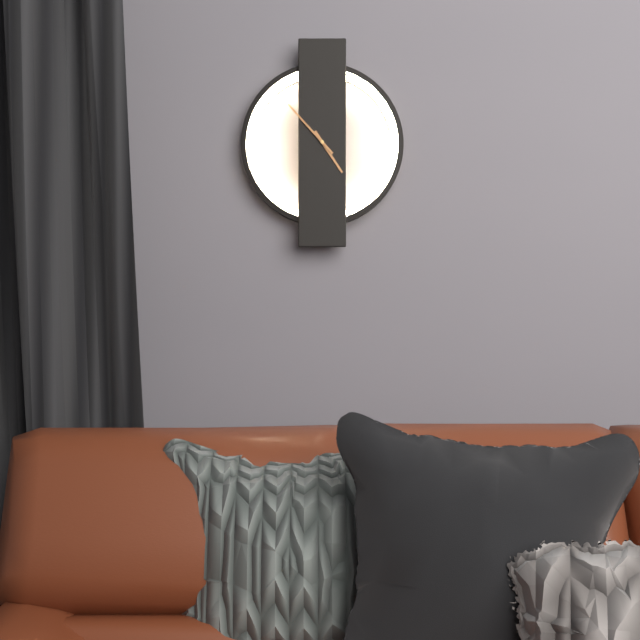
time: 4:53
